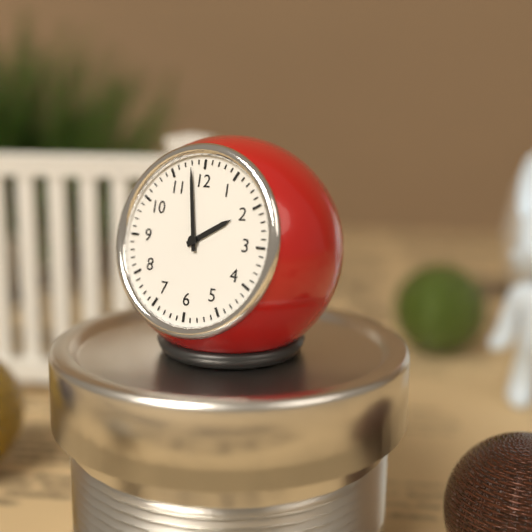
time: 1:58
